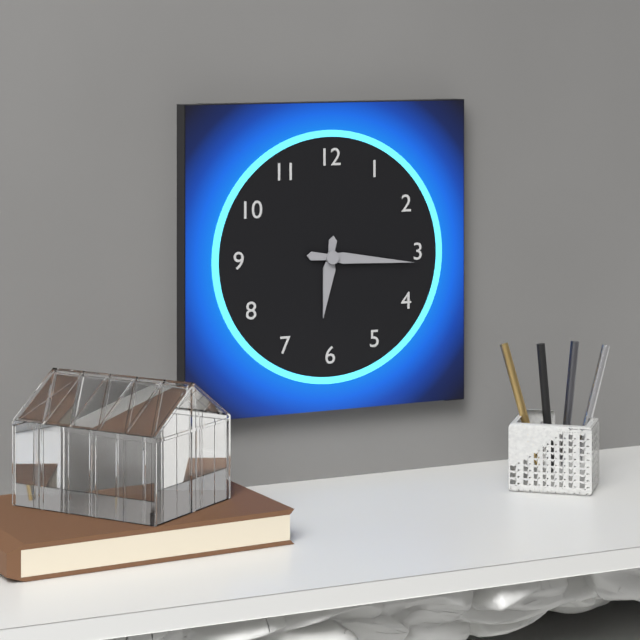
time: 6:16
